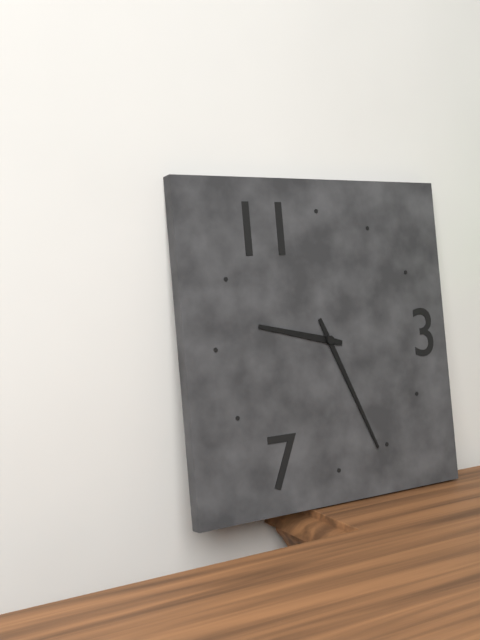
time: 9:26
